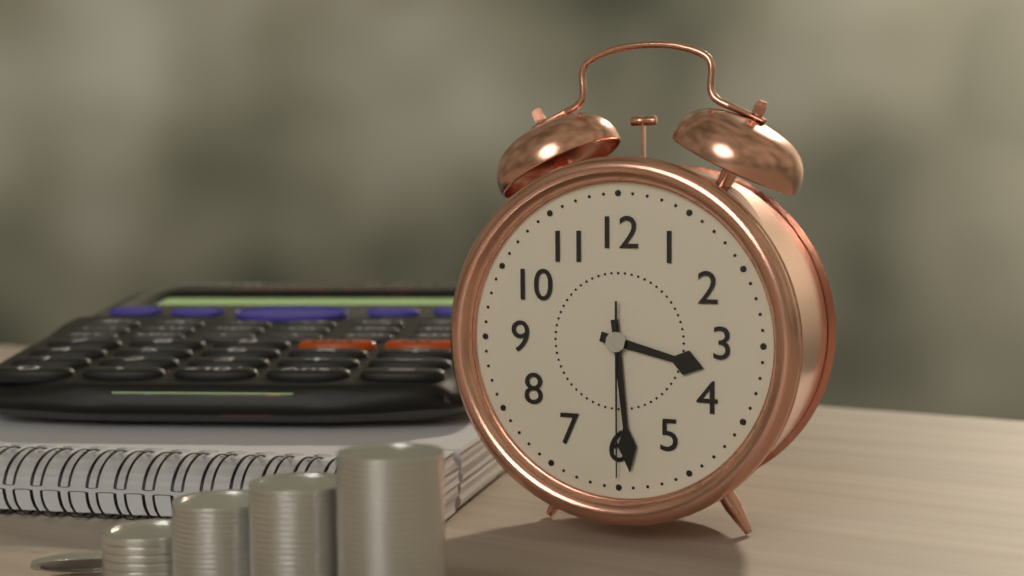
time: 3:29:30
